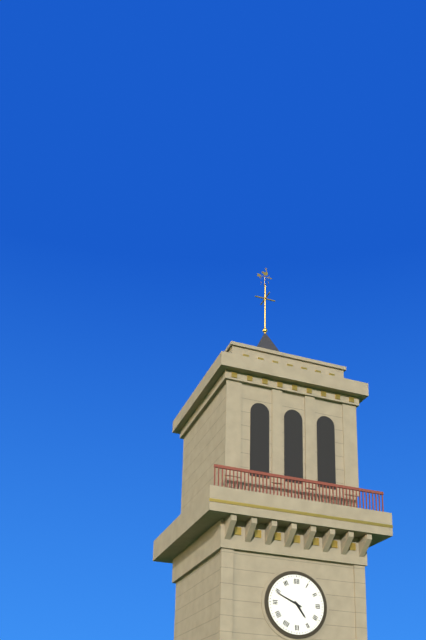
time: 4:49
